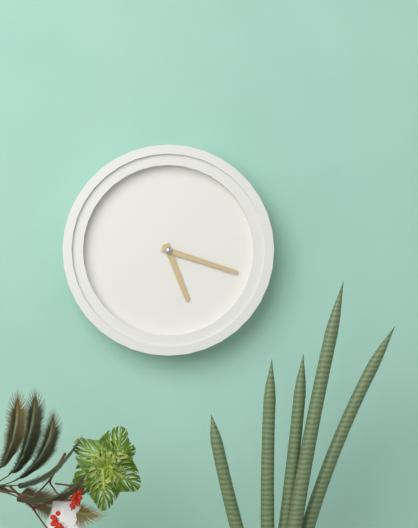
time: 5:18
